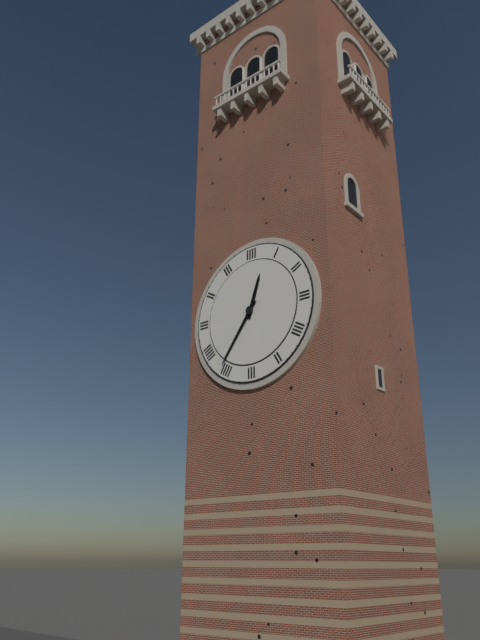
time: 12:36
